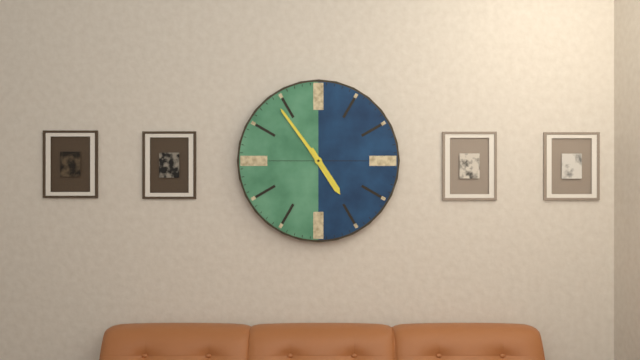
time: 4:54
